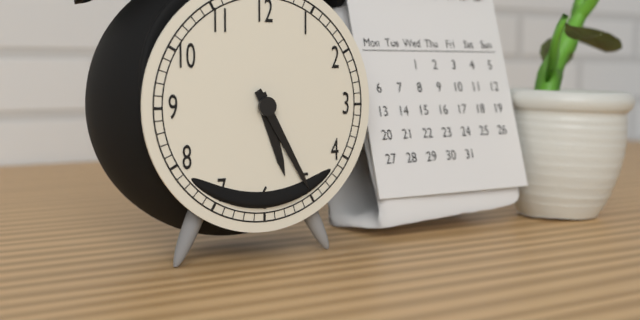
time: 5:25
